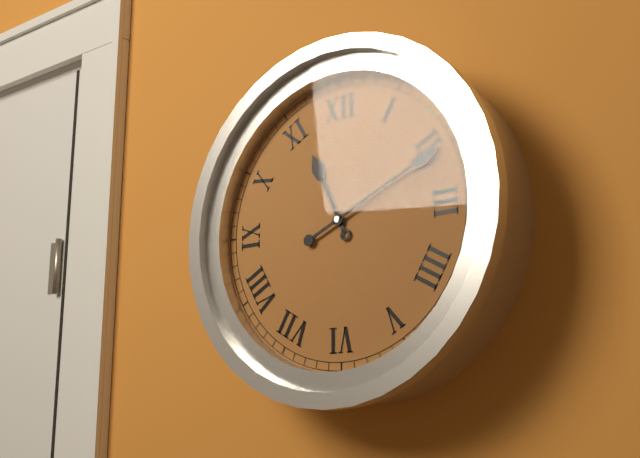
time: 11:11
